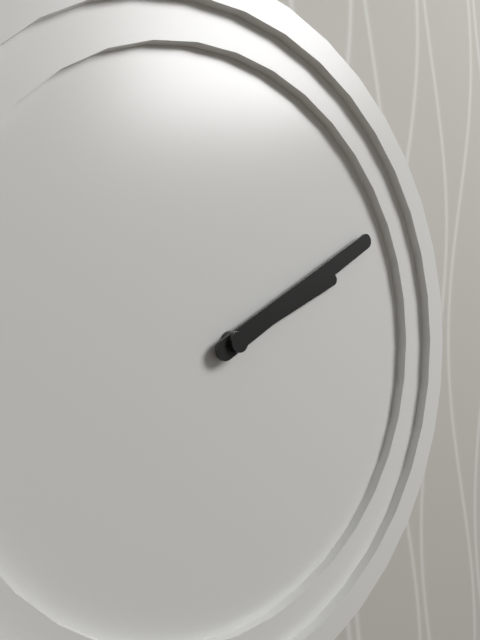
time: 2:10
